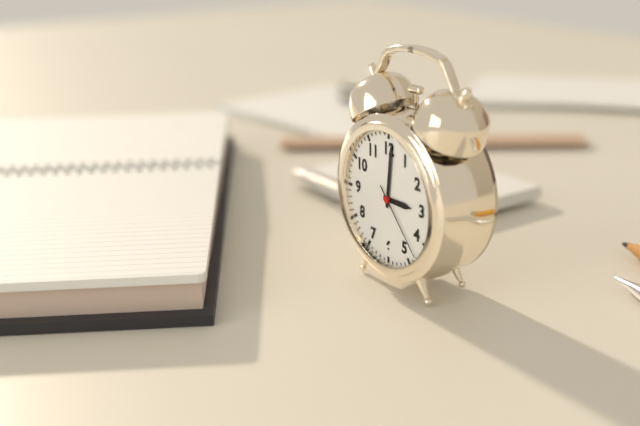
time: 3:01:23
